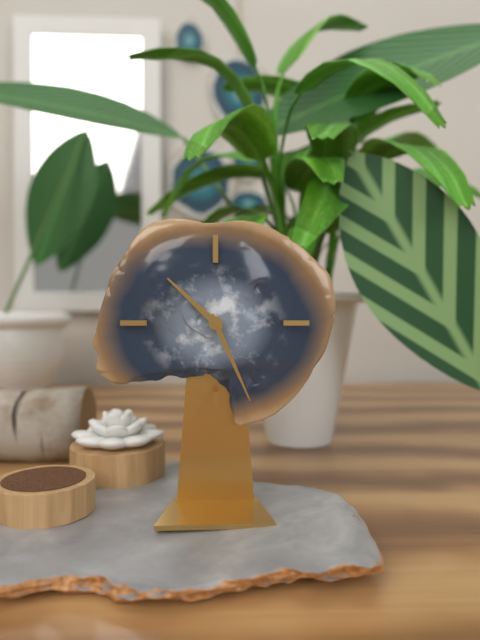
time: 10:26
